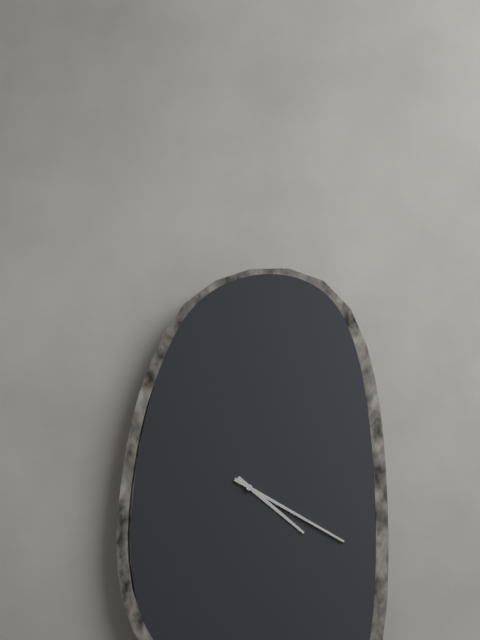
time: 4:20
